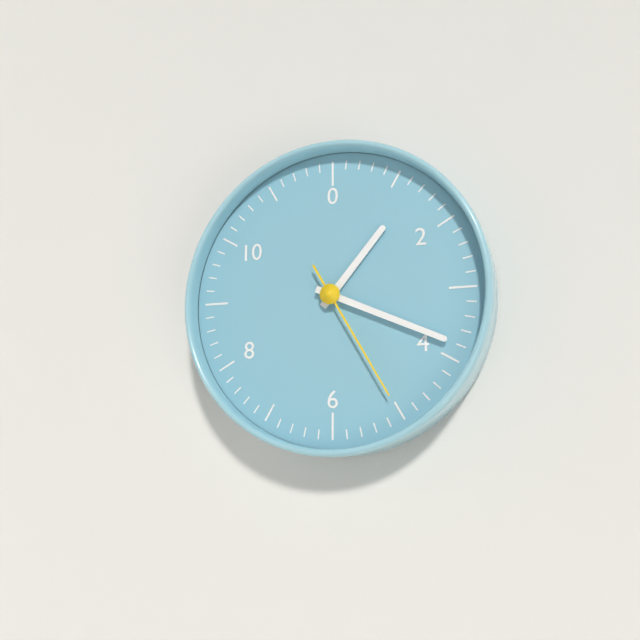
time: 1:19:25
